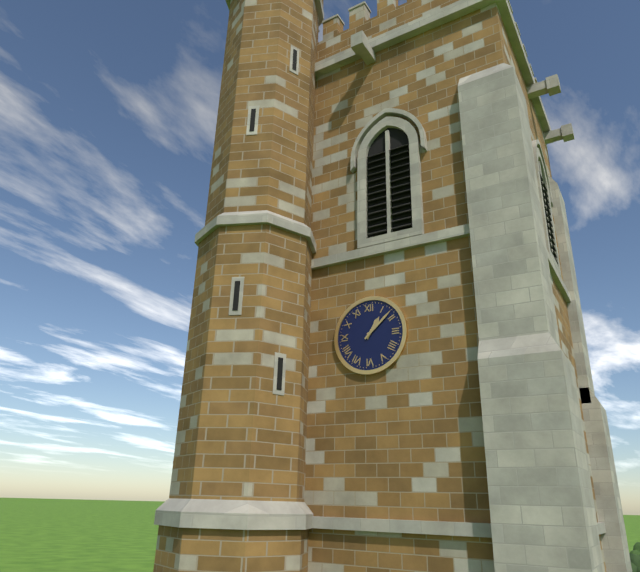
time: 1:08
